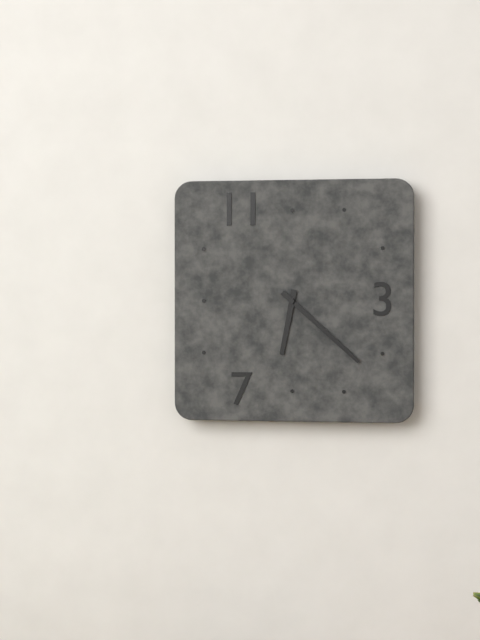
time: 6:22
